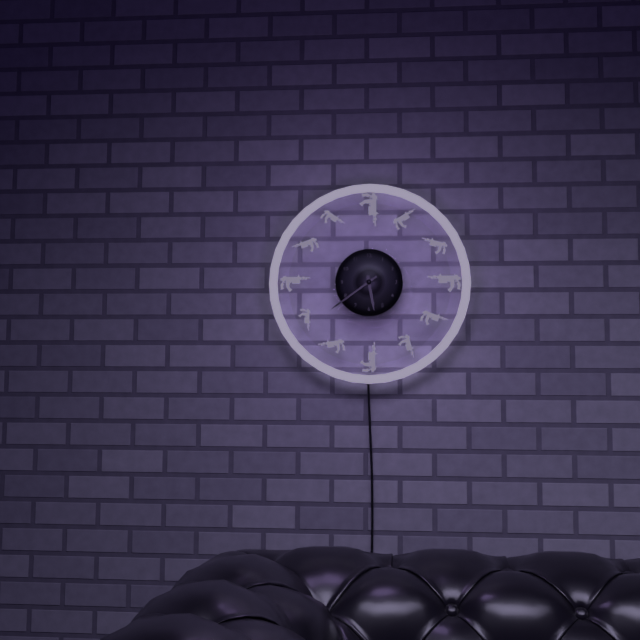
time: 5:39
